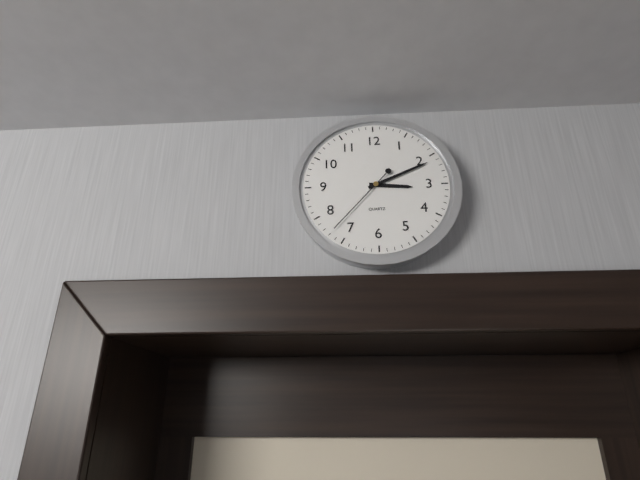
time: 3:11:37
